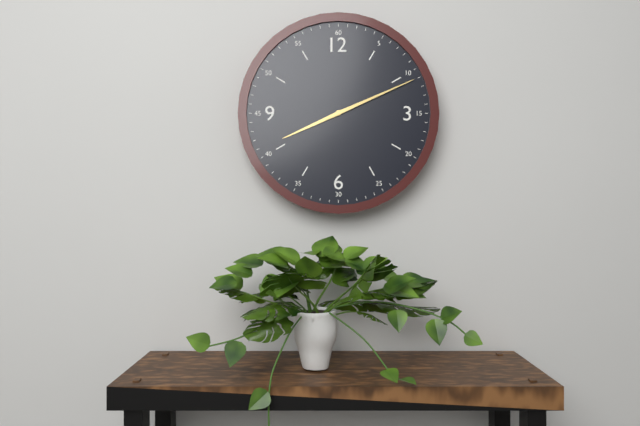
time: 8:11
